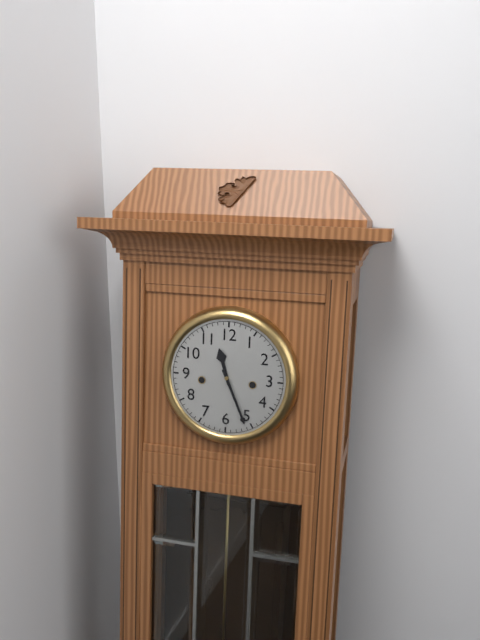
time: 11:26
